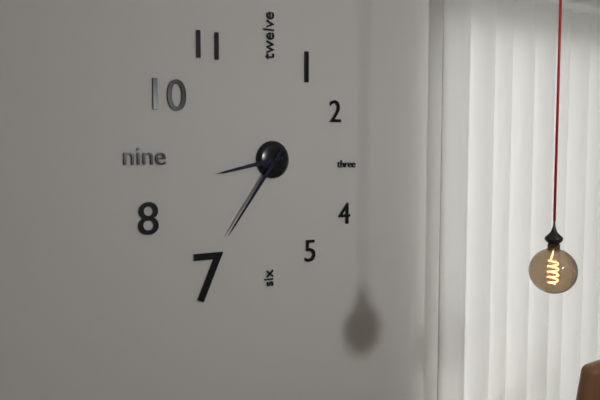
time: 8:36
